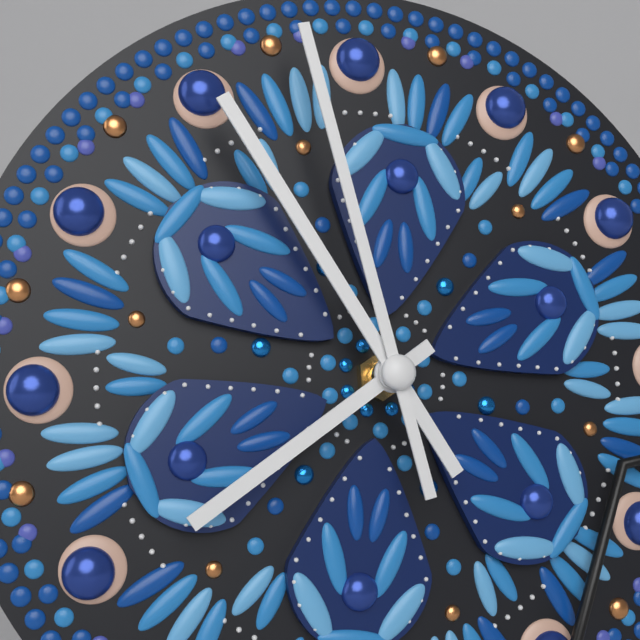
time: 7:55:58
